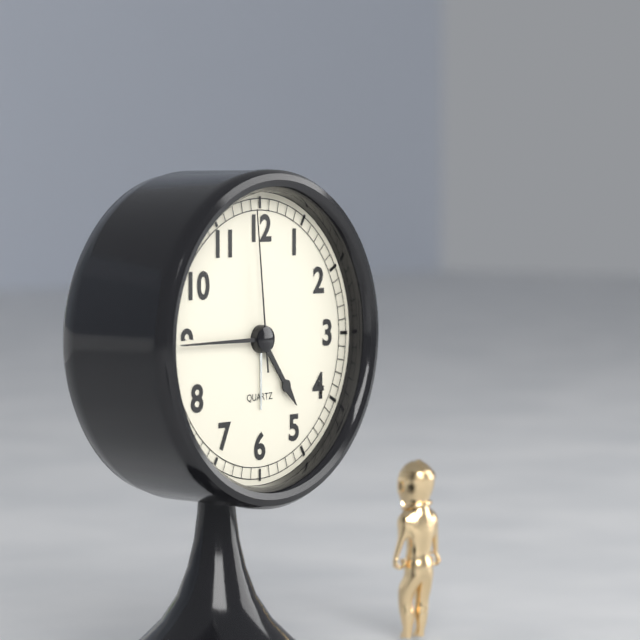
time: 4:45:59
